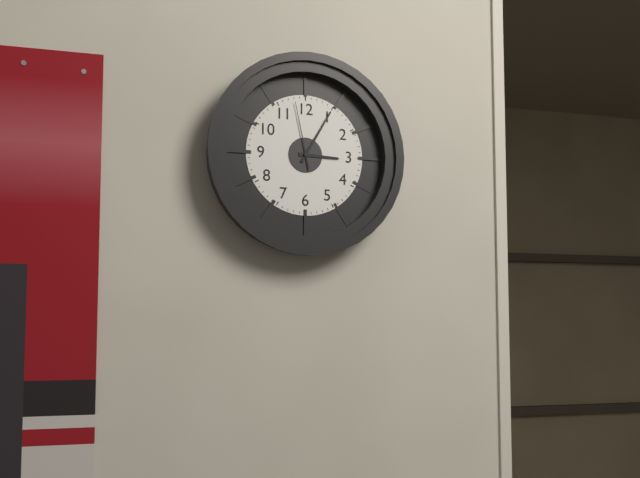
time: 3:05:58
